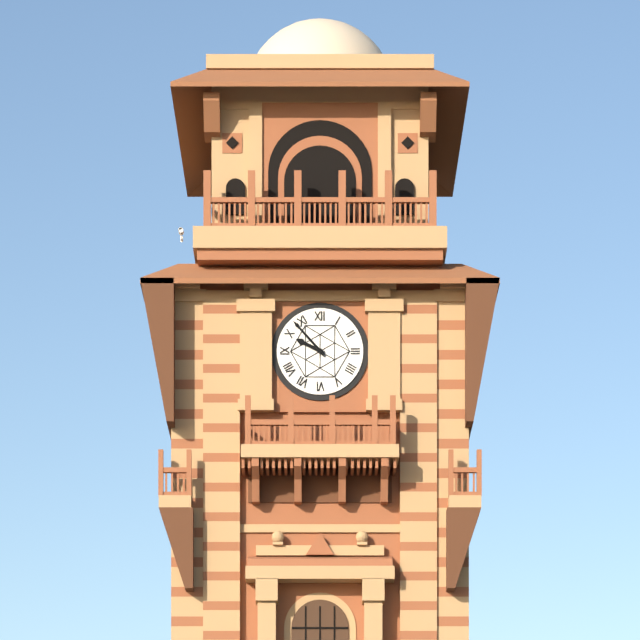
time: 9:53
